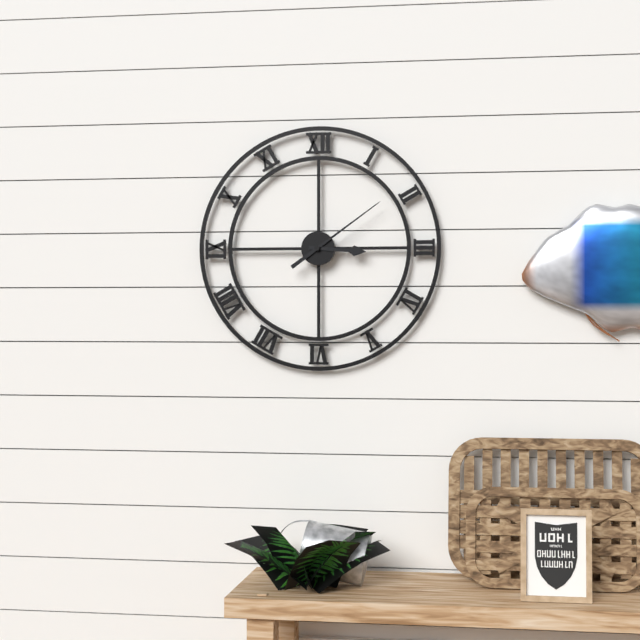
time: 3:09
